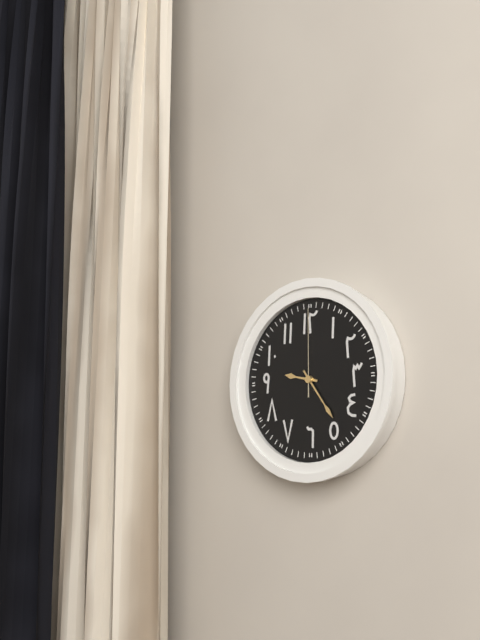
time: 9:24:00
